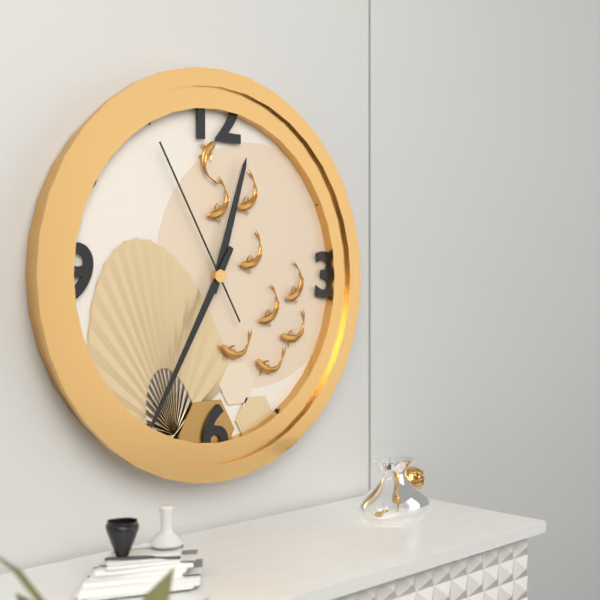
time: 12:35:55
